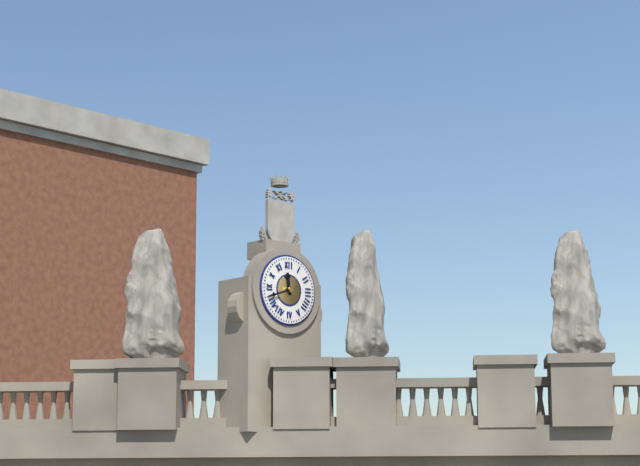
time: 11:42
